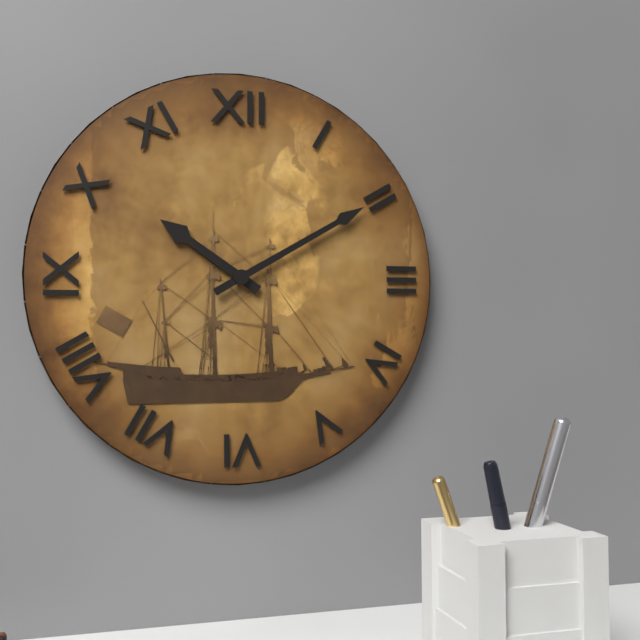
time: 10:10
